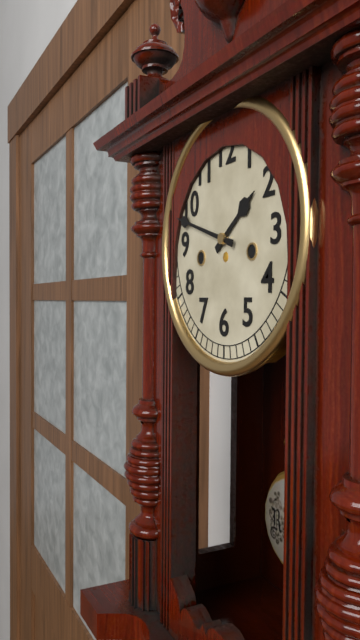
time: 1:48
